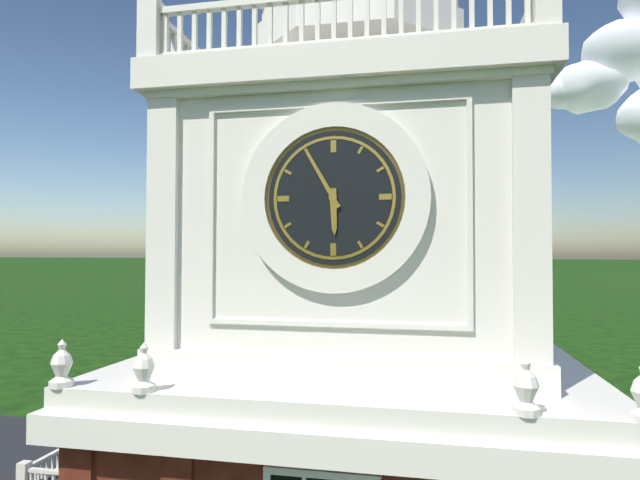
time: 5:55
